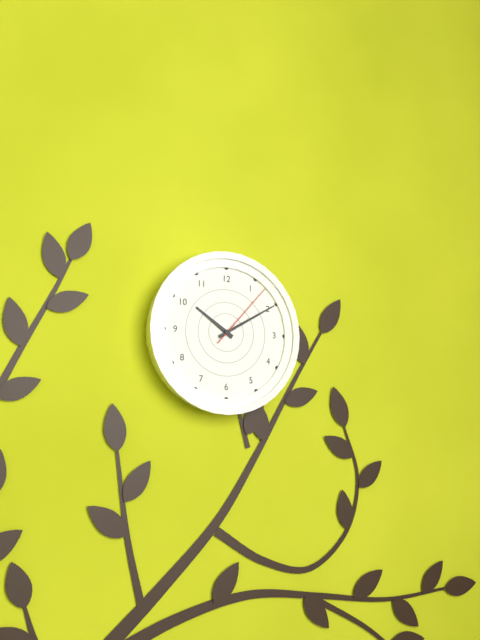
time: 10:10:07
